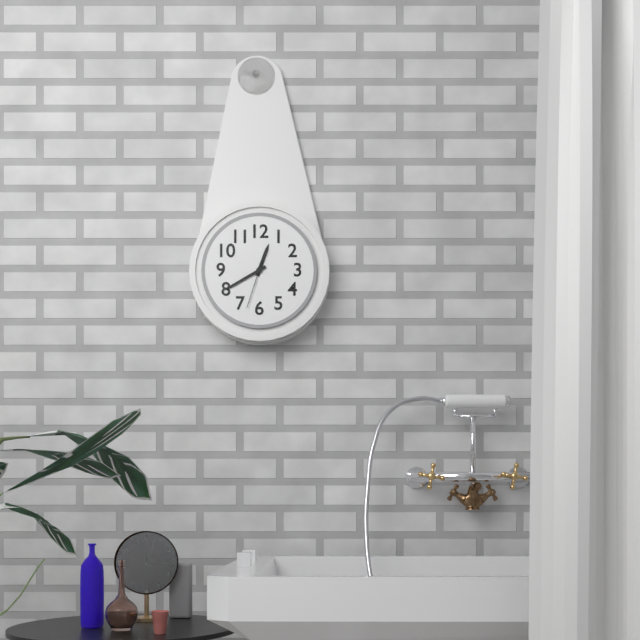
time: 12:40
